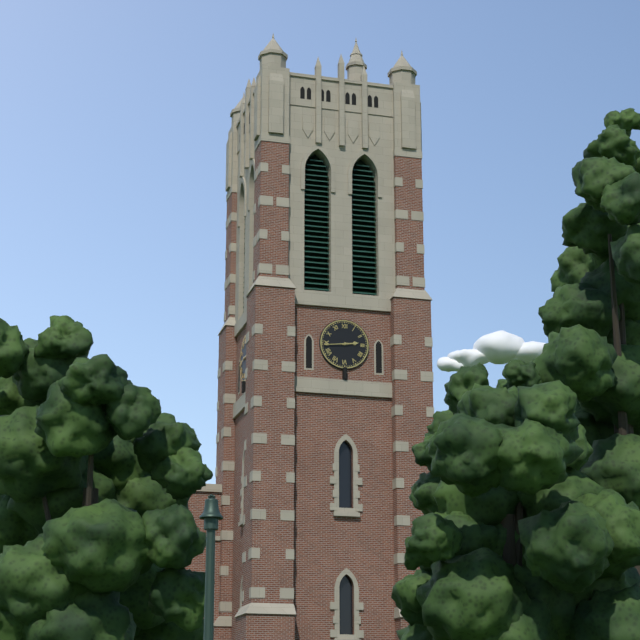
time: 2:44
